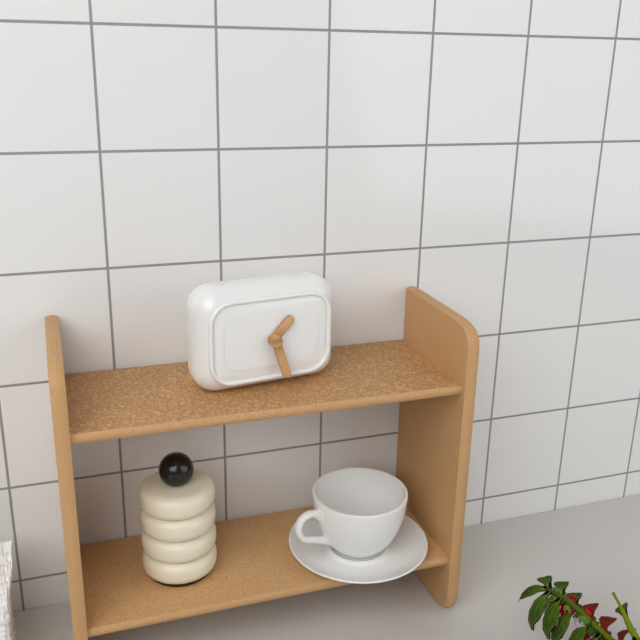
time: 1:27
